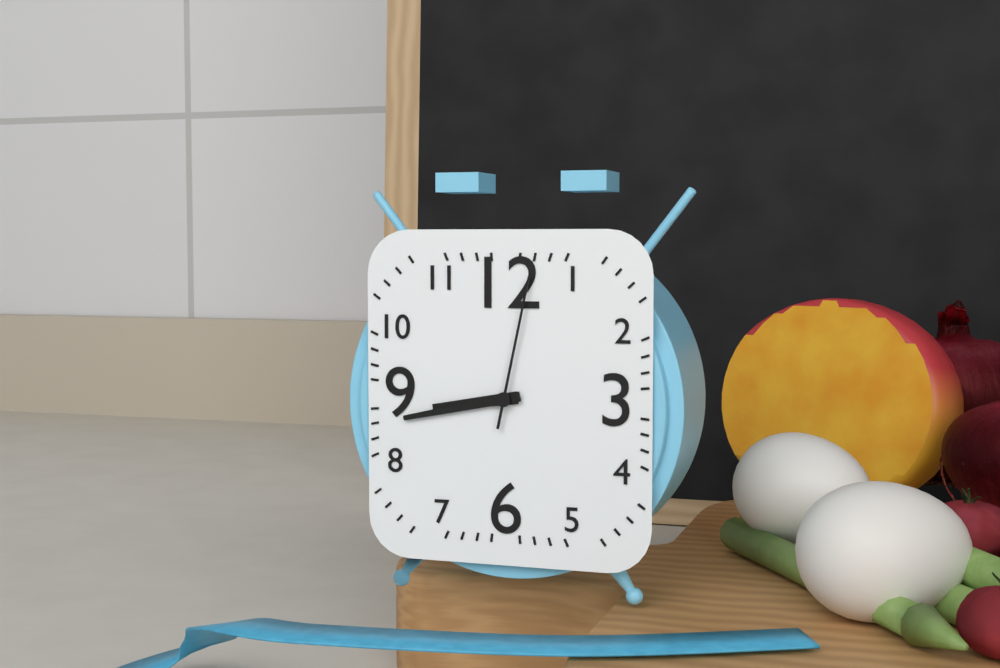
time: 8:43:02
